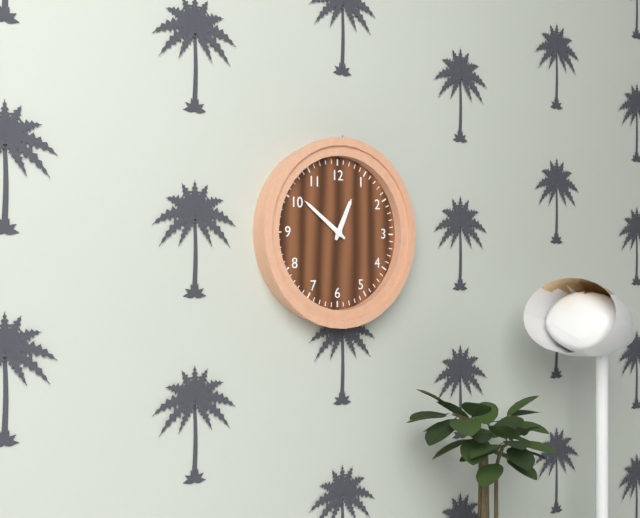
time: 12:51
